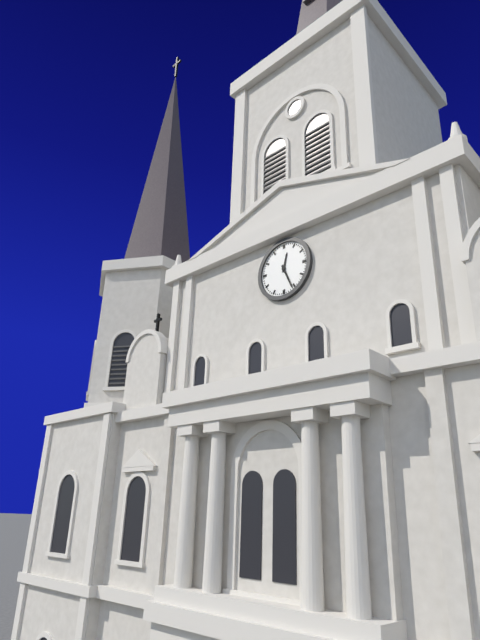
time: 12:26
